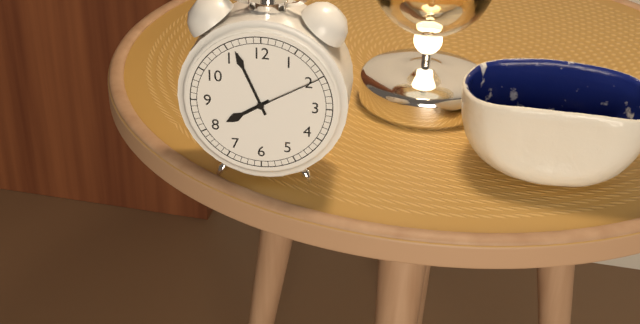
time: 7:56:10
